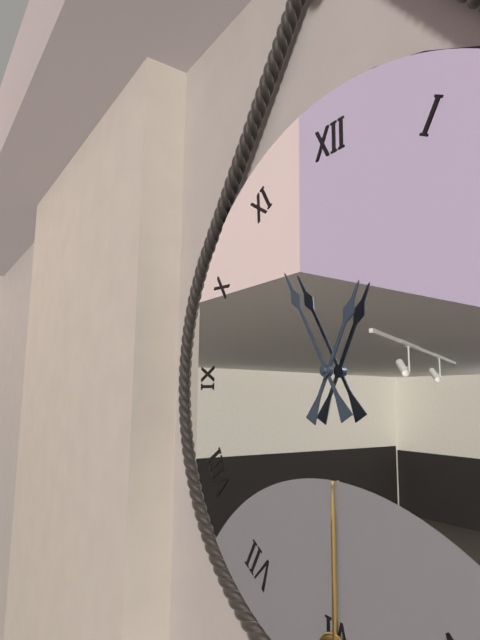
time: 12:55
